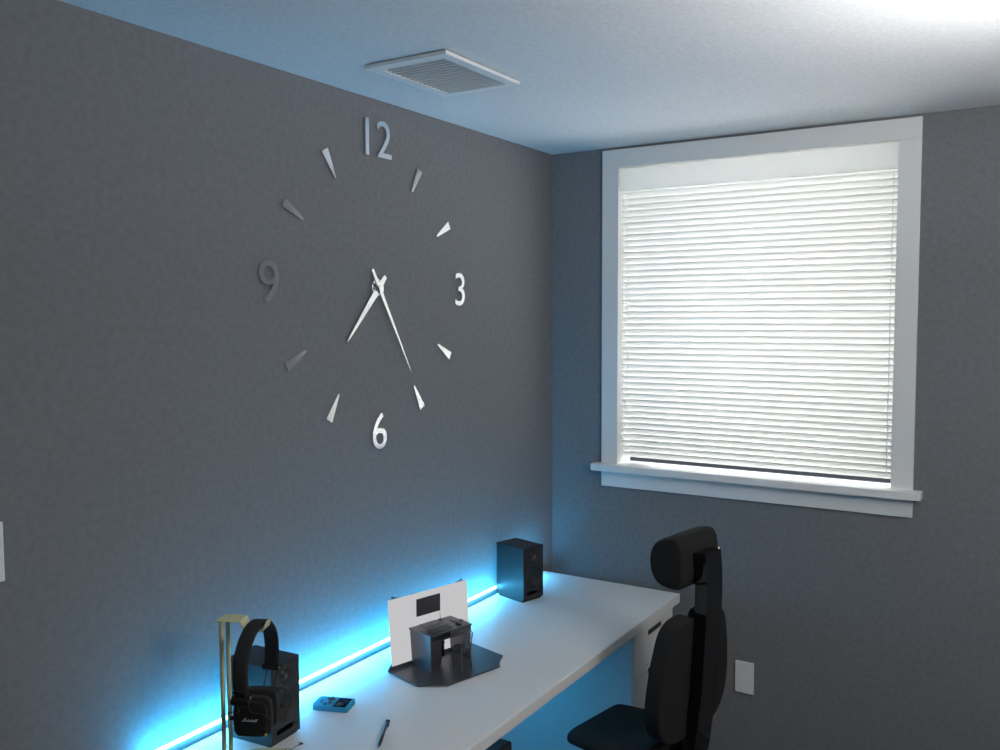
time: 7:25
